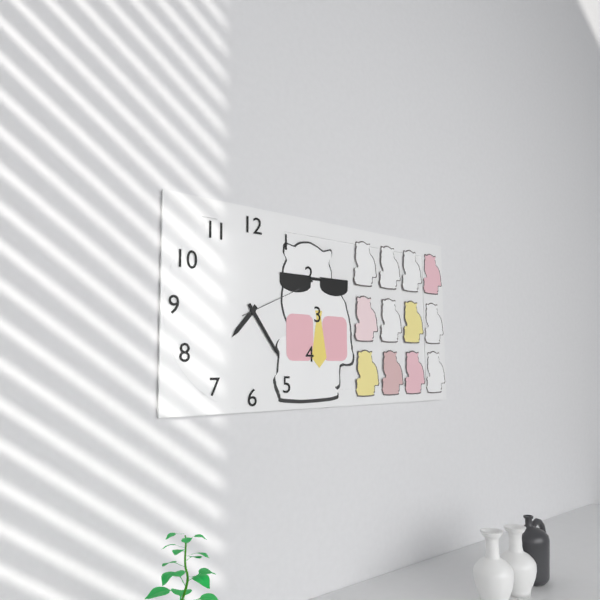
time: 7:24:11
